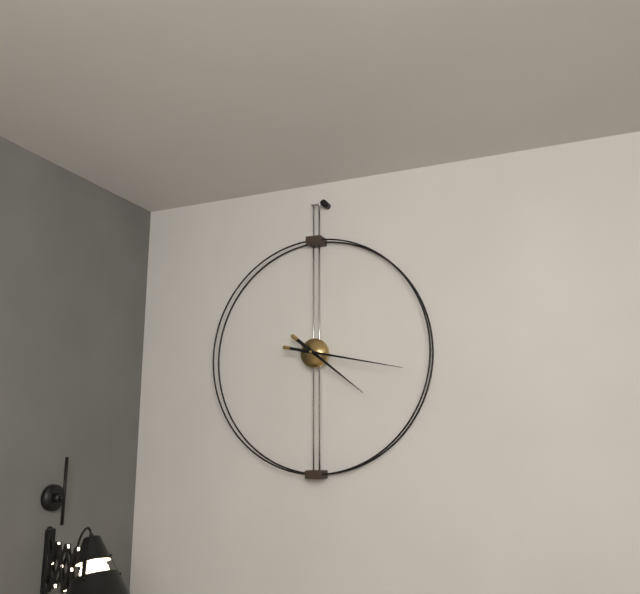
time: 4:17
